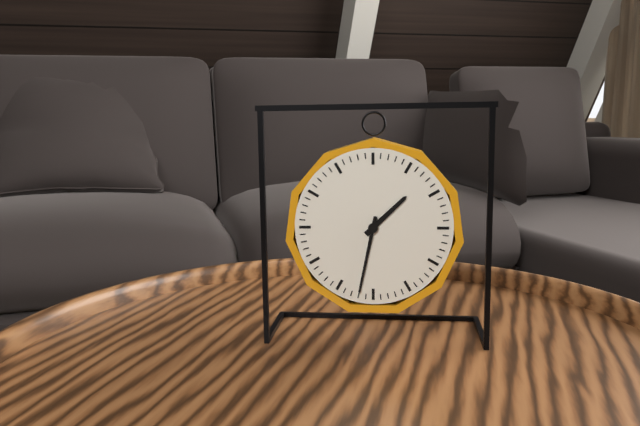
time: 1:32
